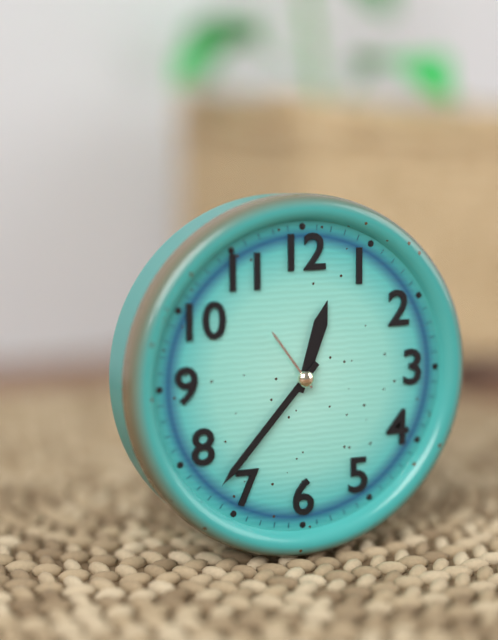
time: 12:37:54
